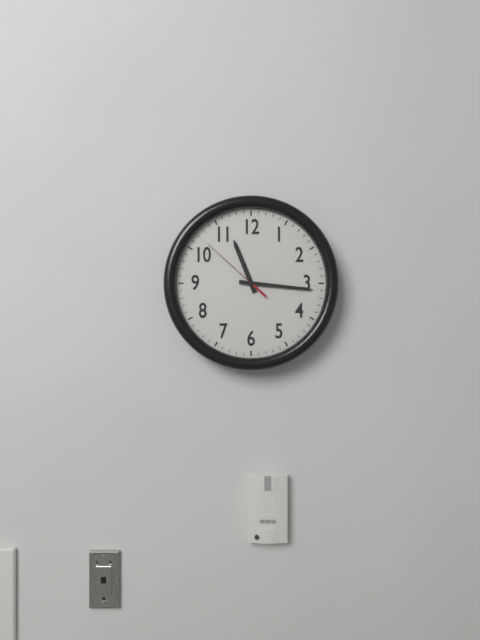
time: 11:16:52
